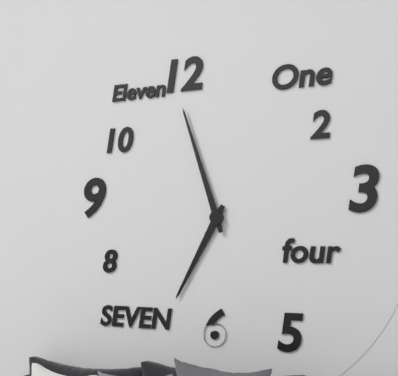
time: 6:57
